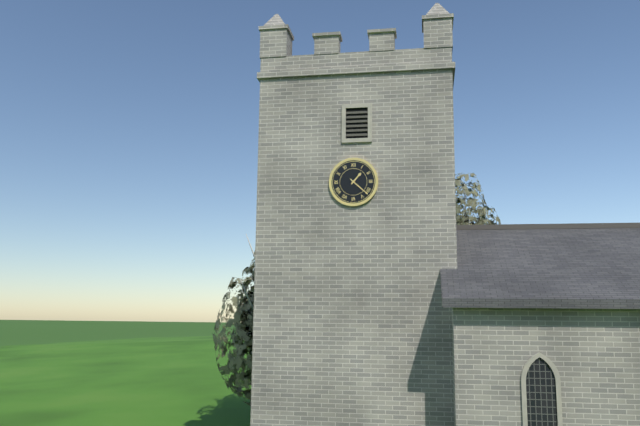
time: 1:22
